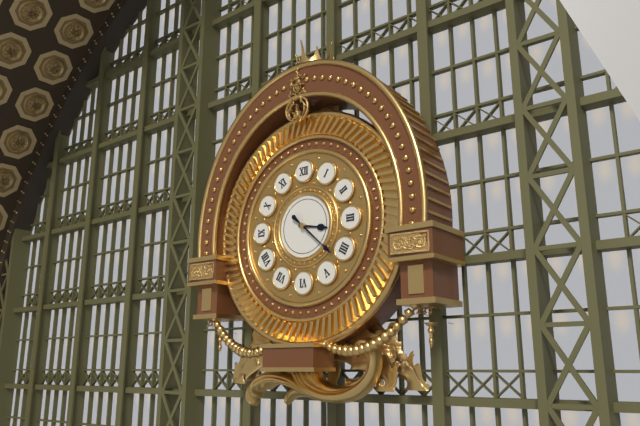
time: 3:22
